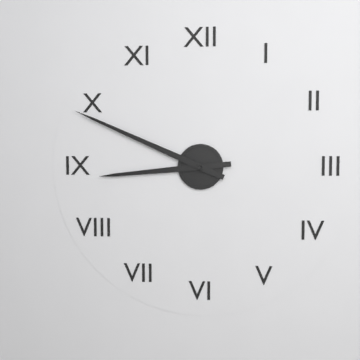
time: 8:49
